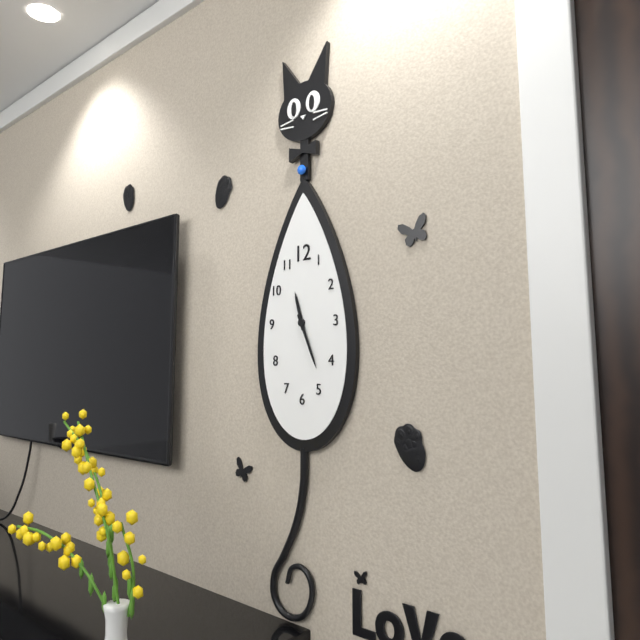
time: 11:26
